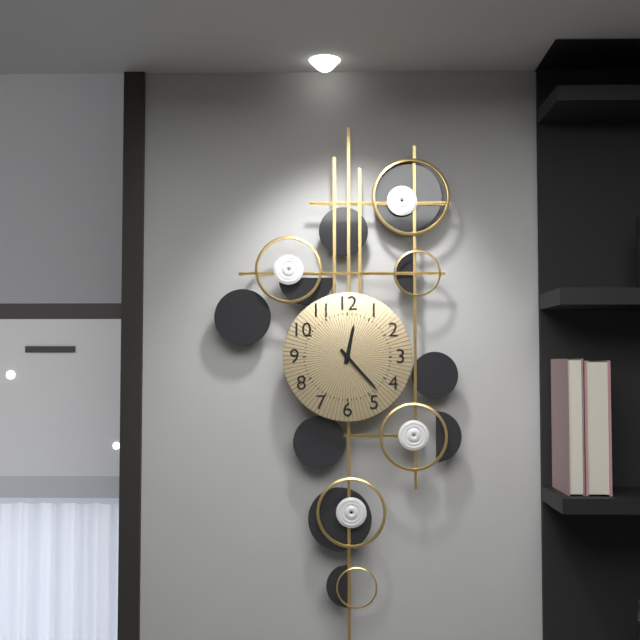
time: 12:23
